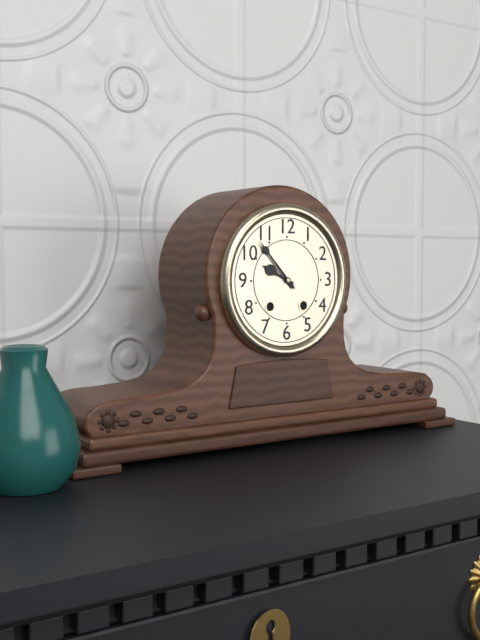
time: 9:53
